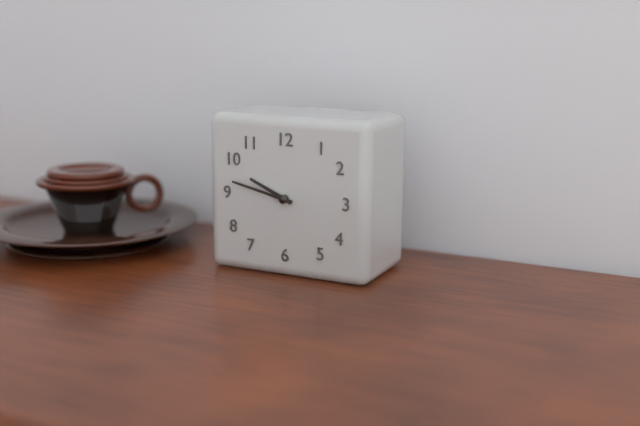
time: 9:47
